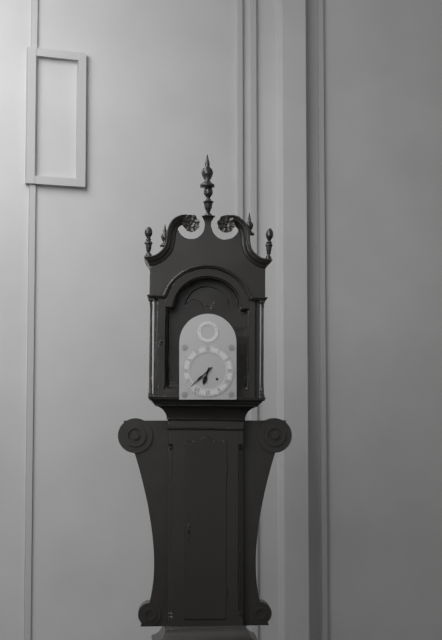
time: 6:38
